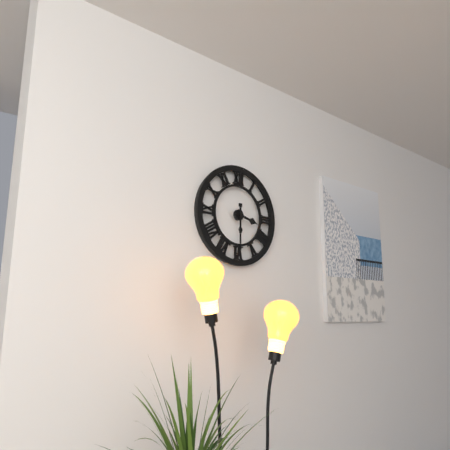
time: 3:30
